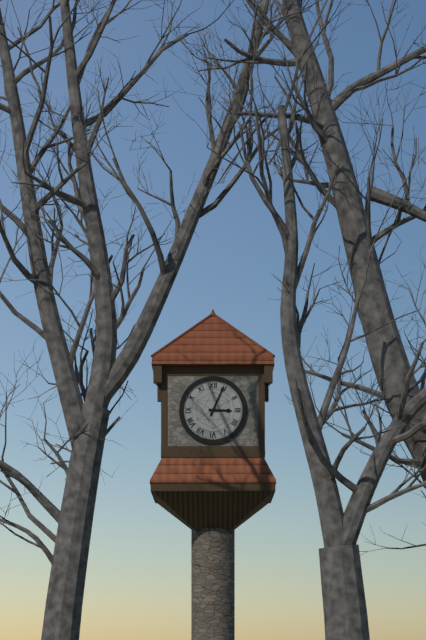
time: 3:04
